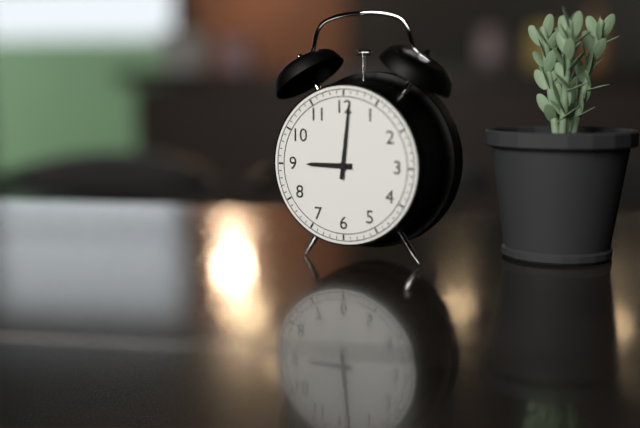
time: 9:01
